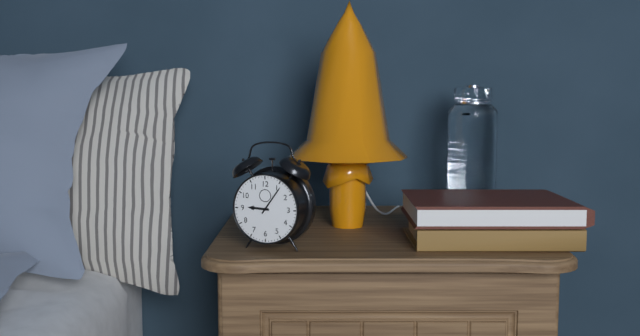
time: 9:06
